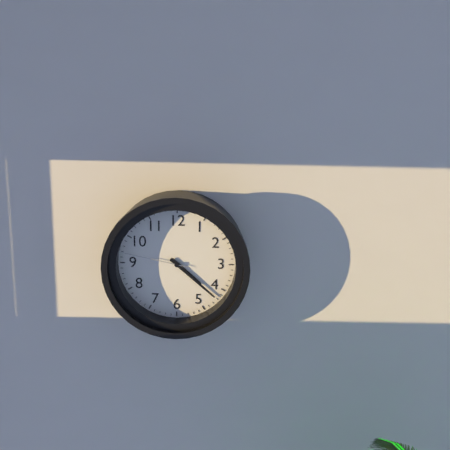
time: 4:22:47
